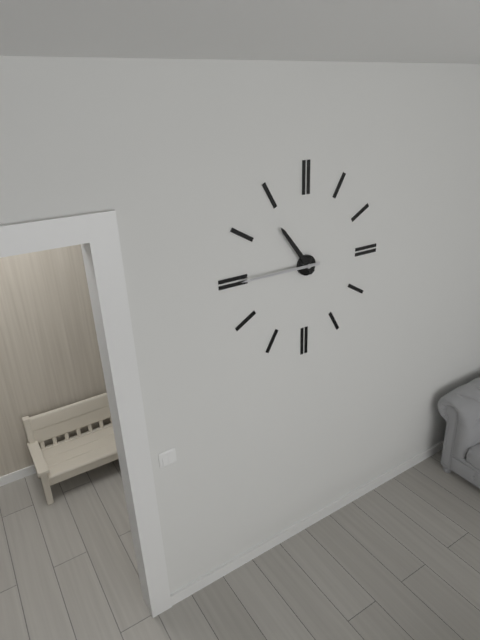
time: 10:45
